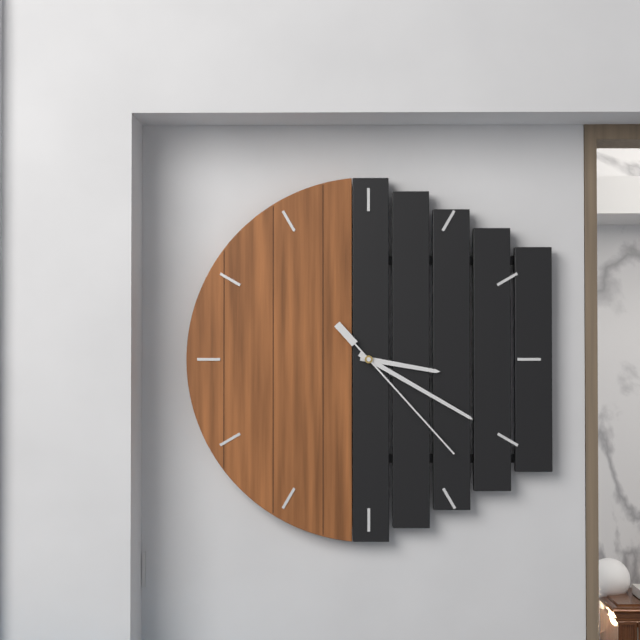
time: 3:20:23
